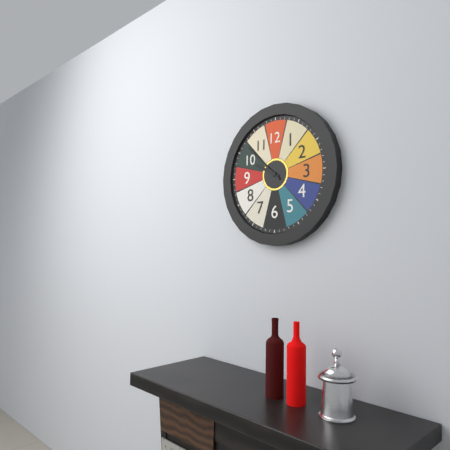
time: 9:52
